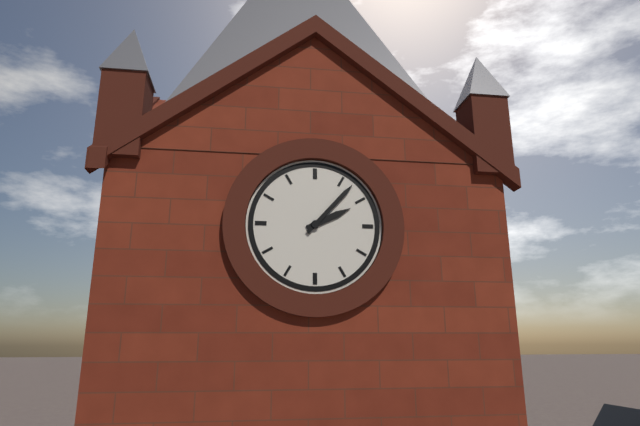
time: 2:07
